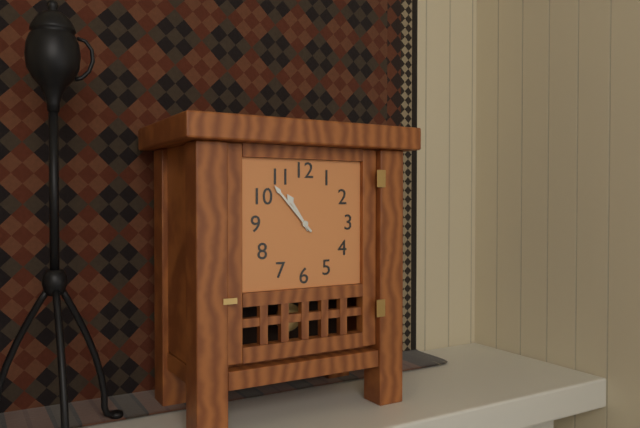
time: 10:53
